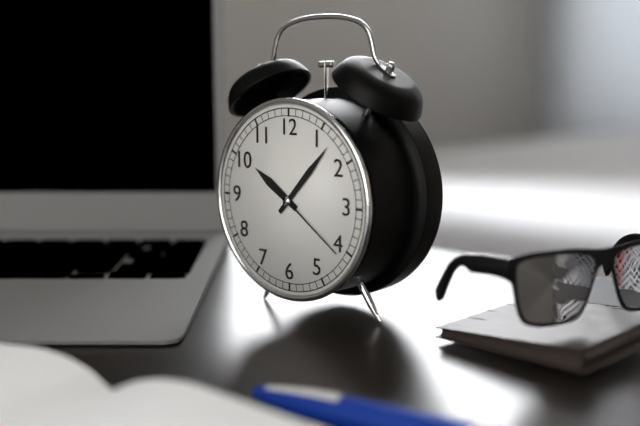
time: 10:07:21
